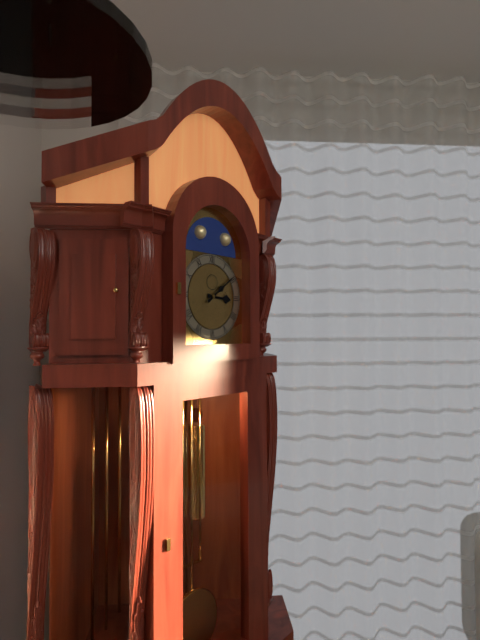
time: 3:09
